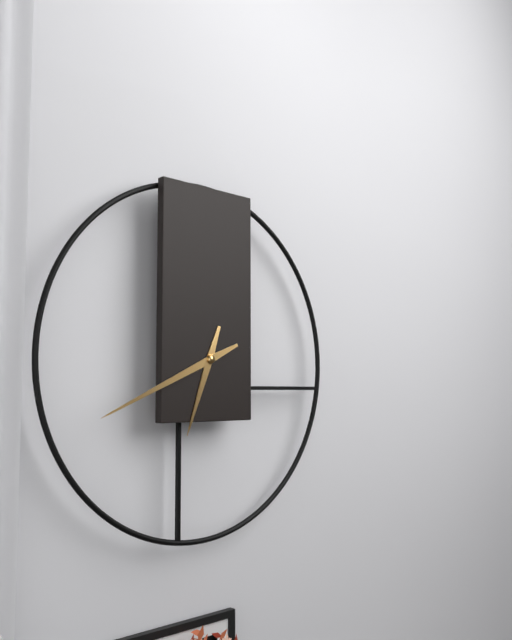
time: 6:41
